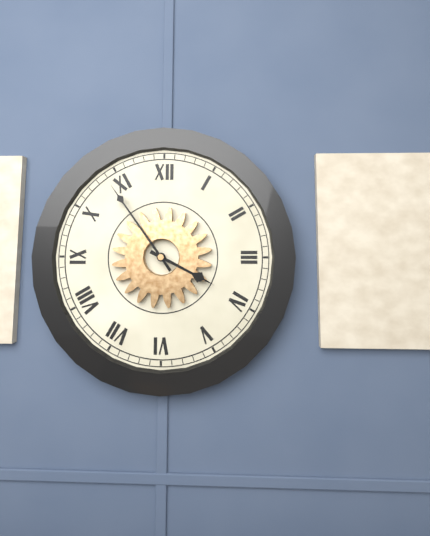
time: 3:54
